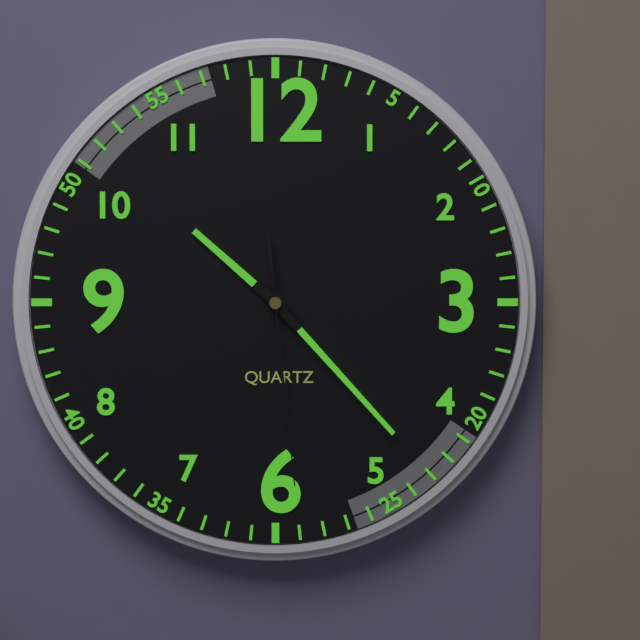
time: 10:23:29
